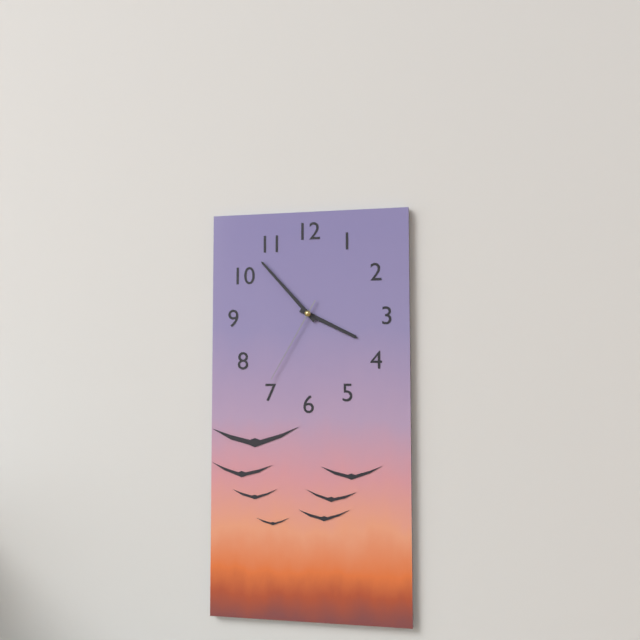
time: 3:53:35
